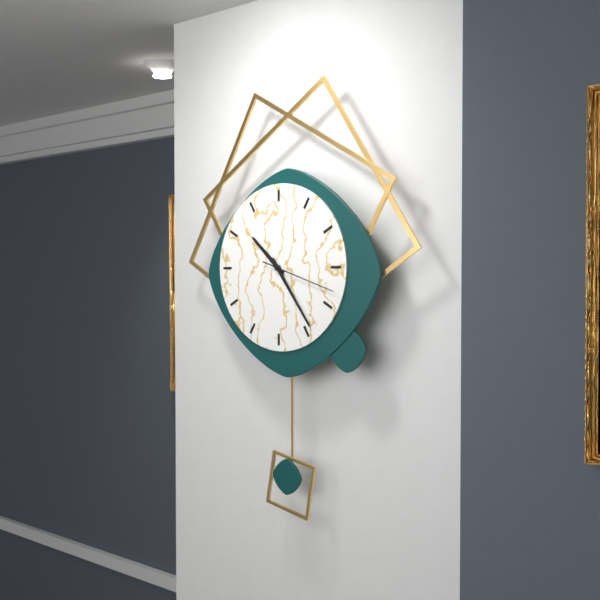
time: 10:24:18
